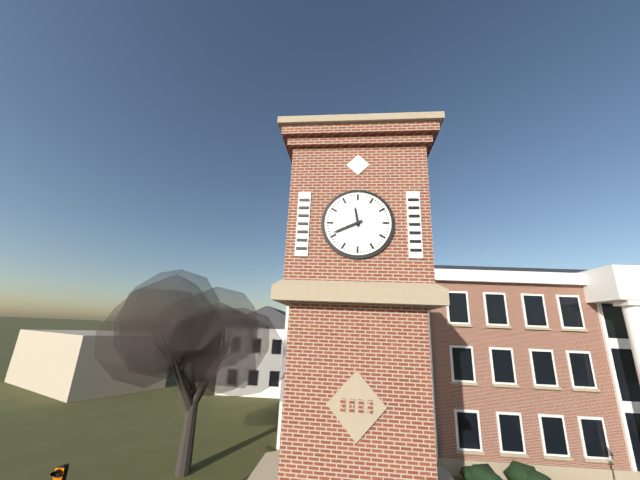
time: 11:41
